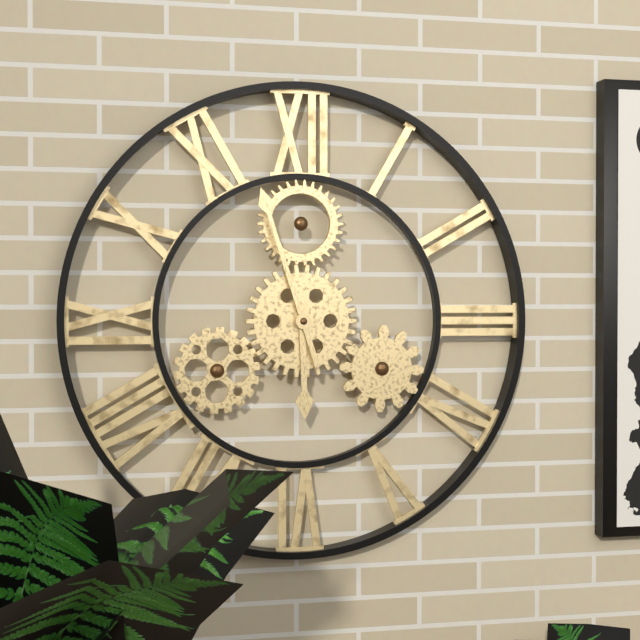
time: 5:57
